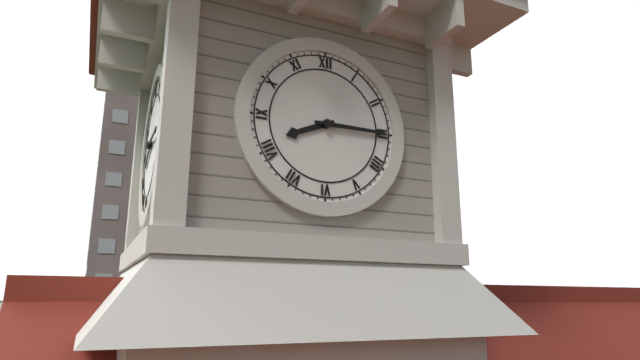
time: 8:15
